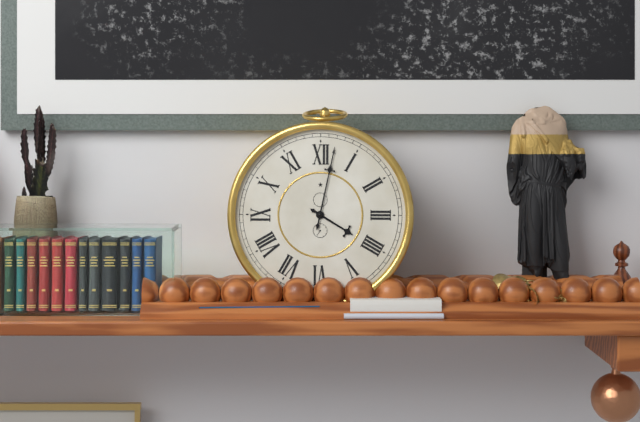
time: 4:02
